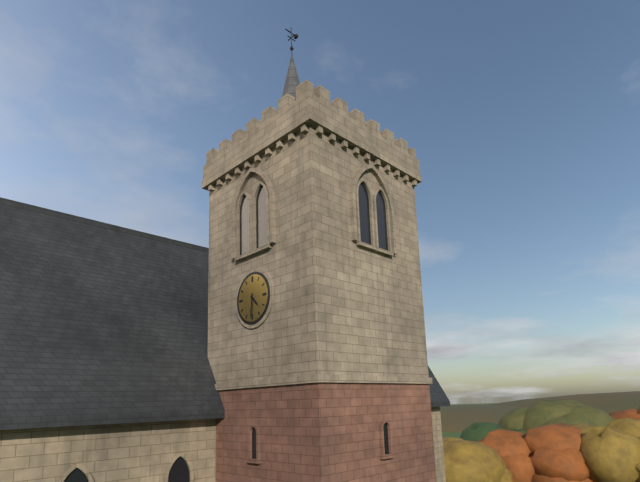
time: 4:31
